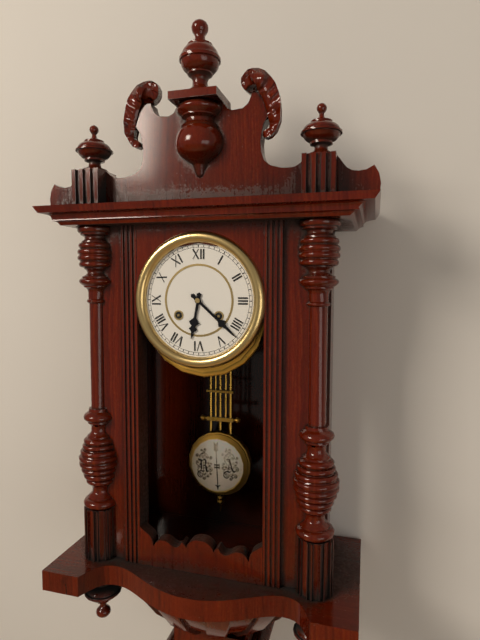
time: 6:22
